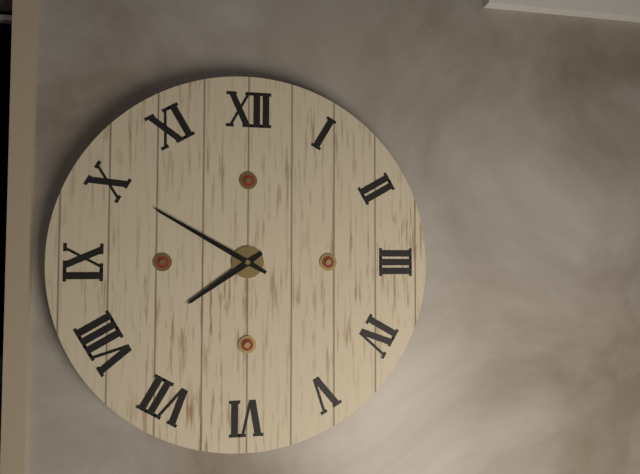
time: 7:50
